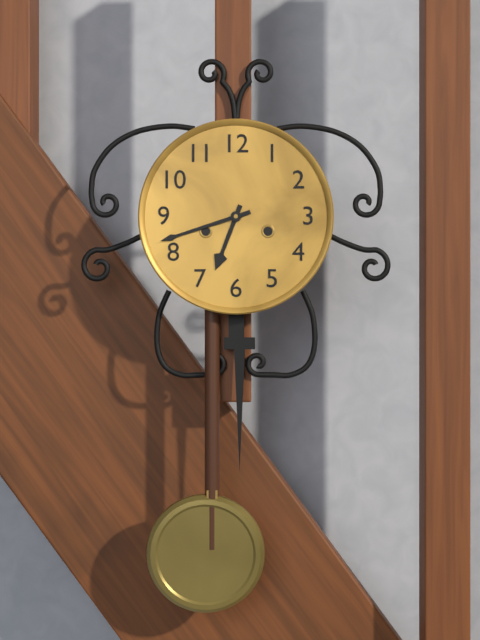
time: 6:42
